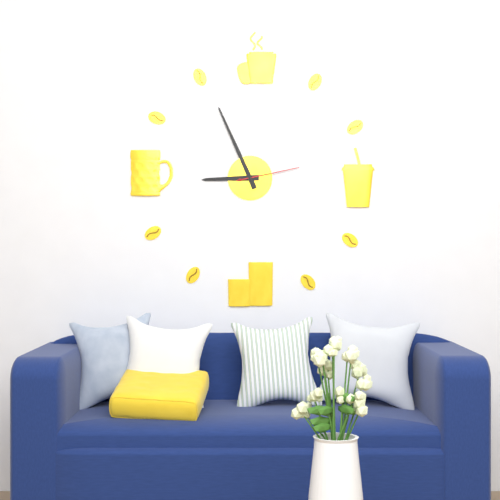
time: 8:56:13
